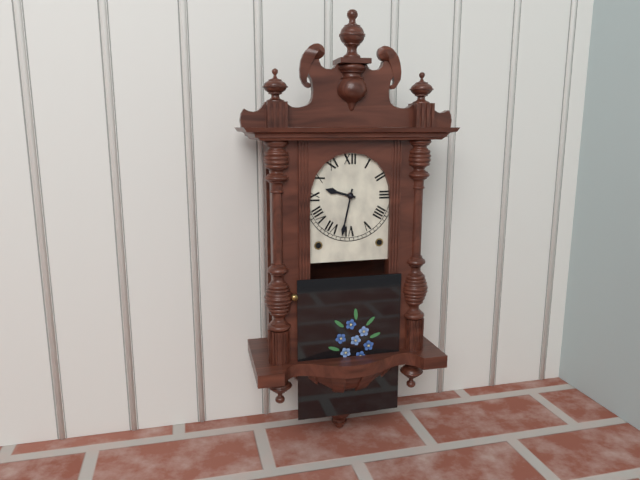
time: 9:32
